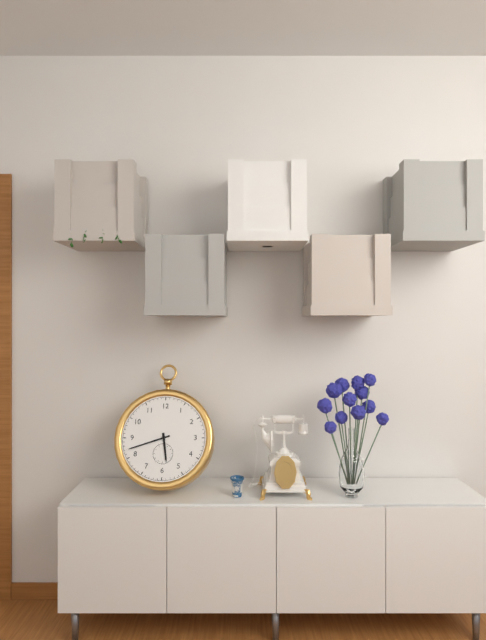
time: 5:42
